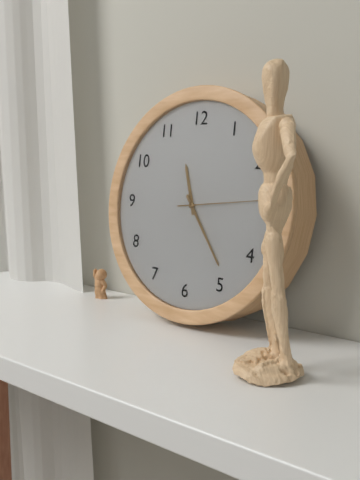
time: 11:24:14
